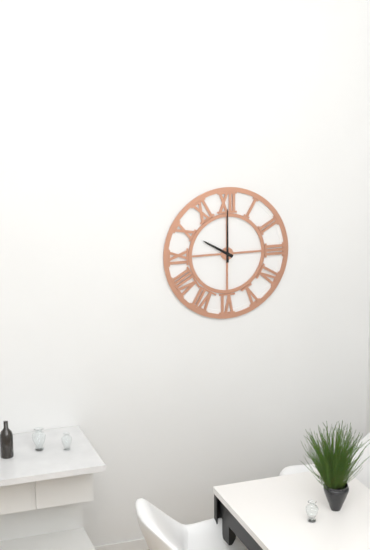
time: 10:00
